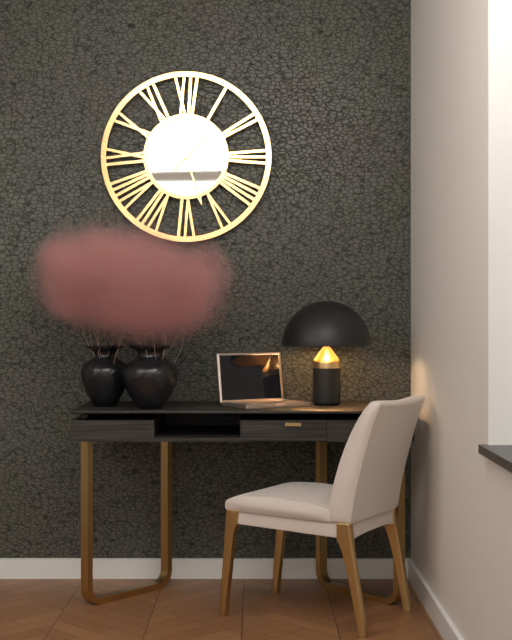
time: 1:27
